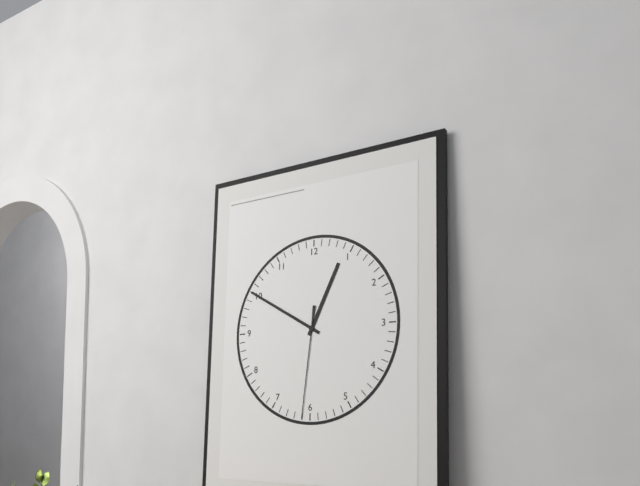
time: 12:50:31
